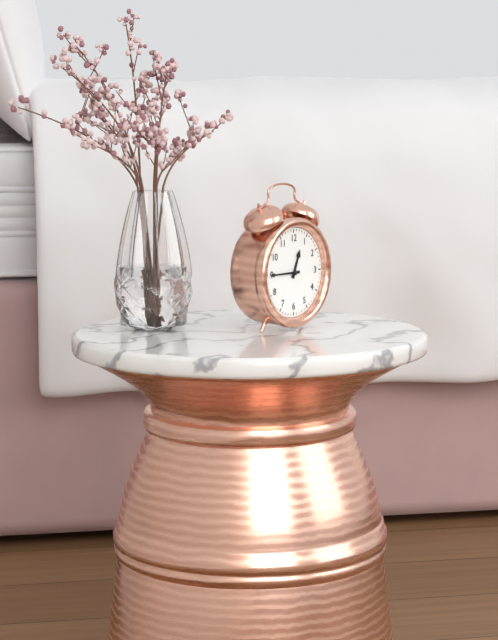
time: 12:45
